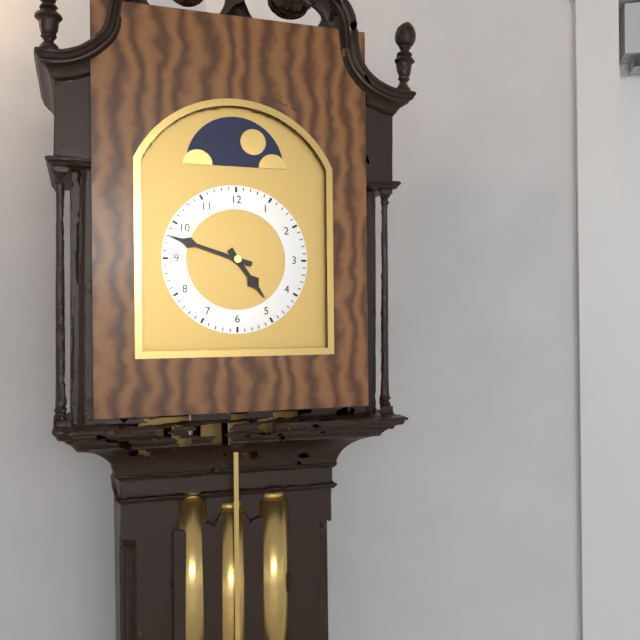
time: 4:48
